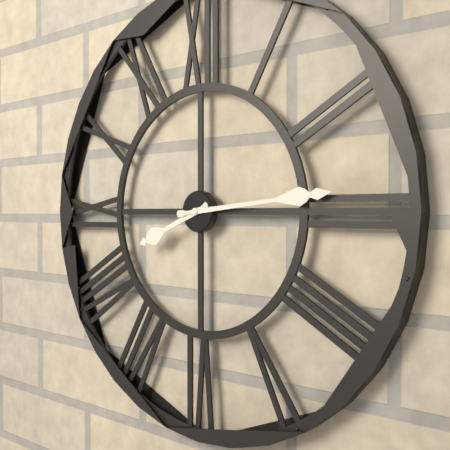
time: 8:14
